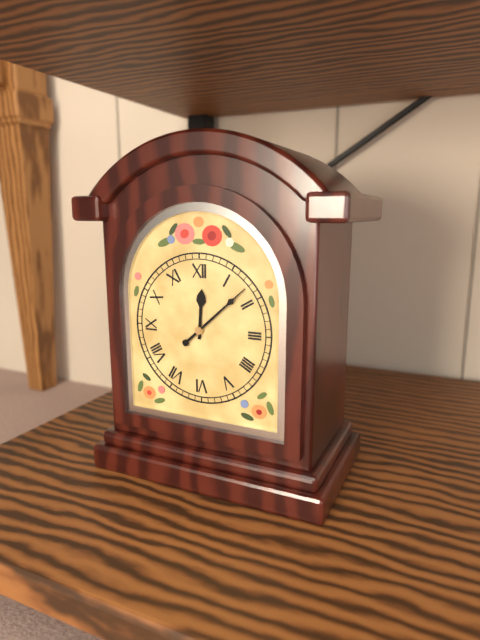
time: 12:08
